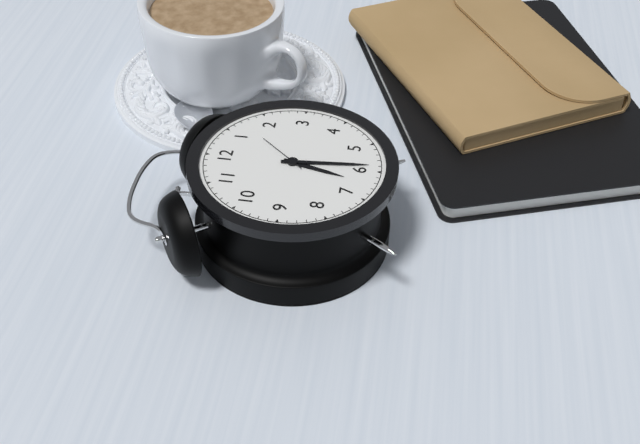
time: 6:29
